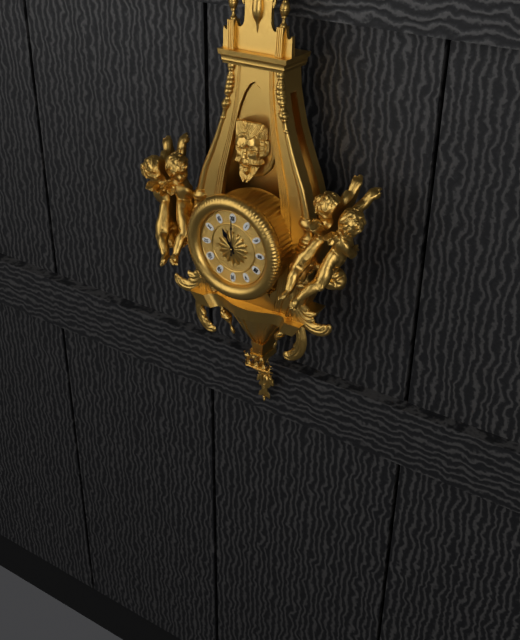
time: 11:00
